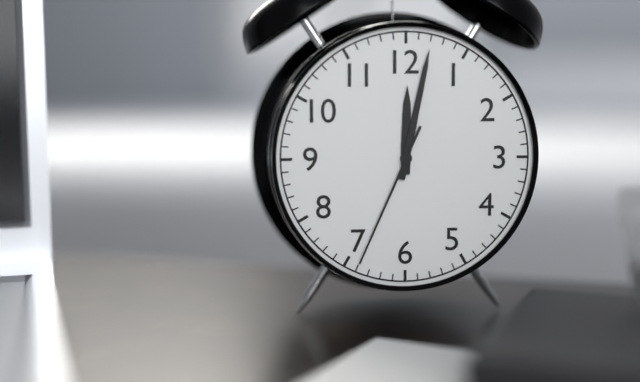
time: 12:02:34
